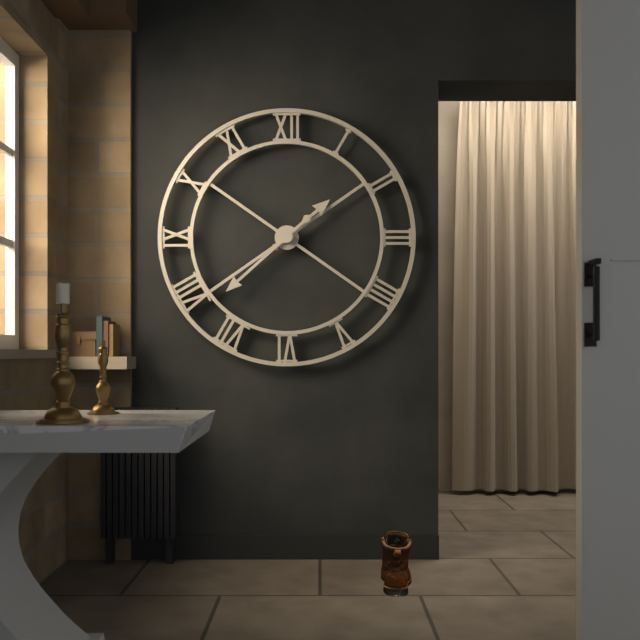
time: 1:38
